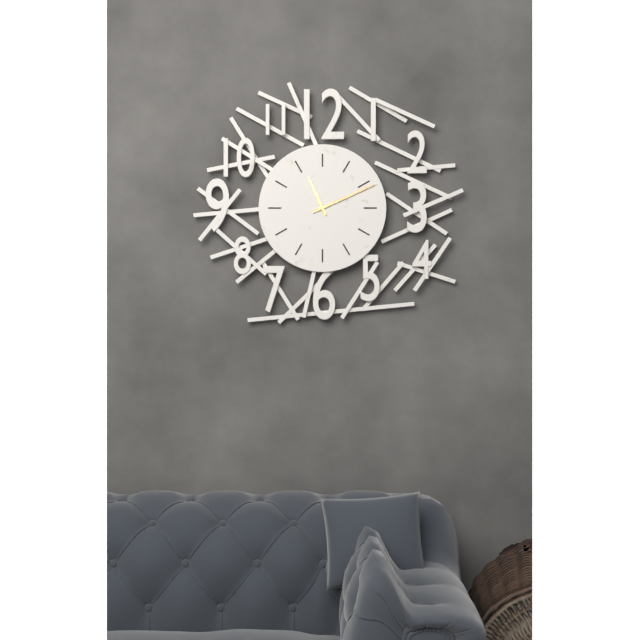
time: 11:11
